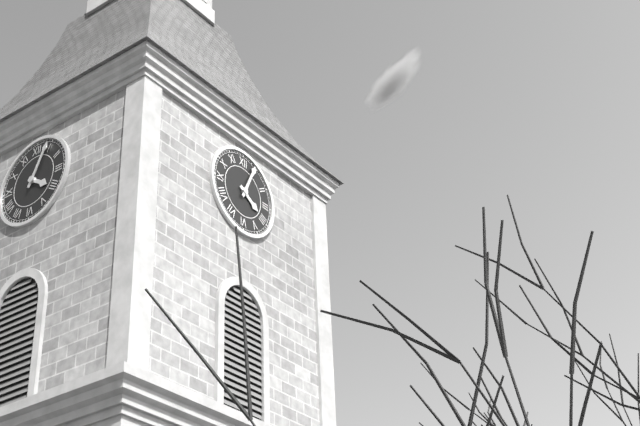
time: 4:04
